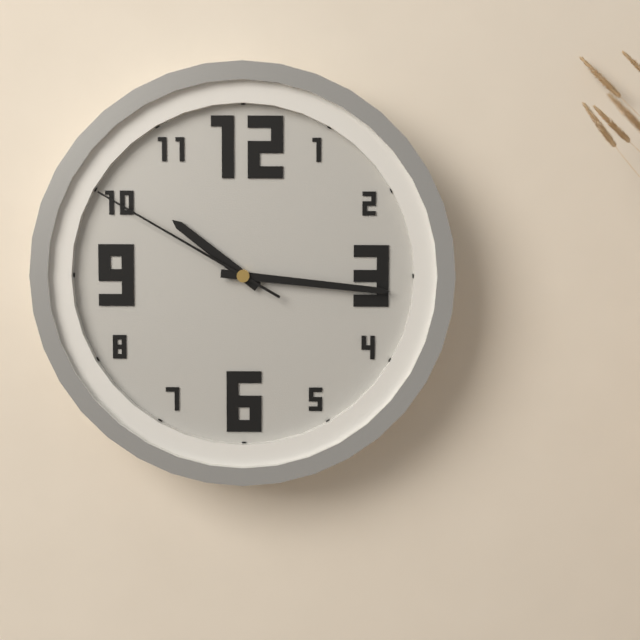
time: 10:16:50
